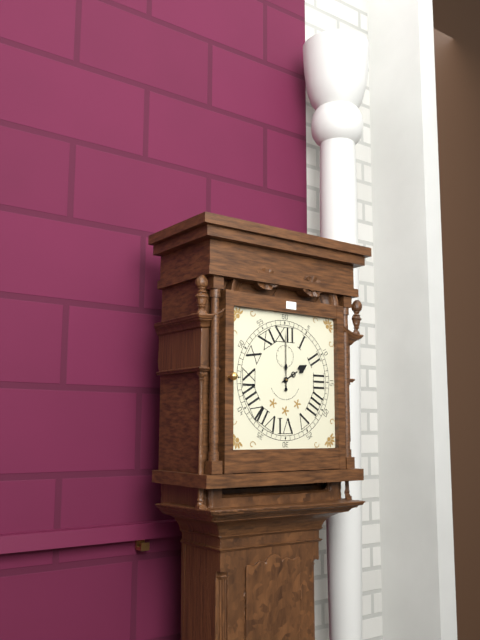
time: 2:00
